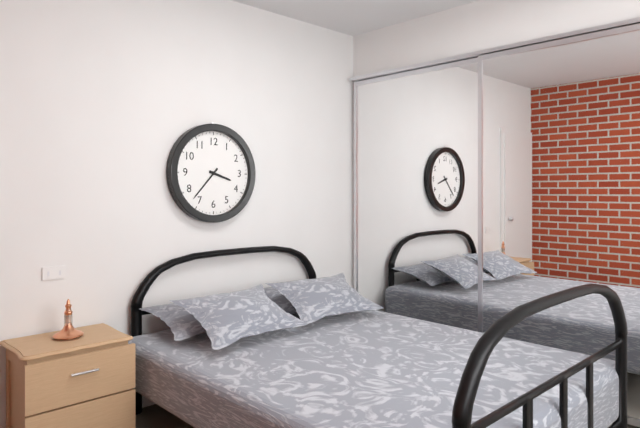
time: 3:37
